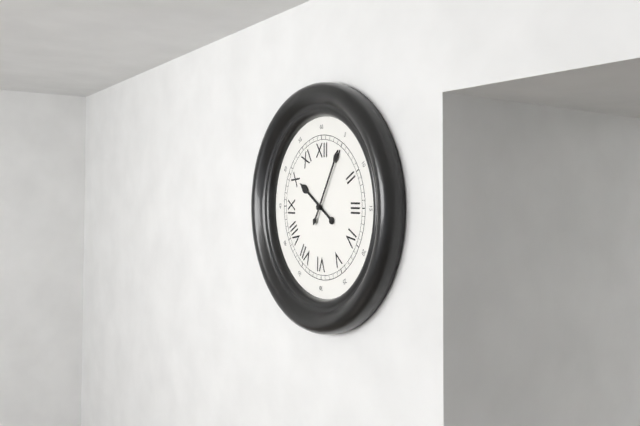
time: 10:05
